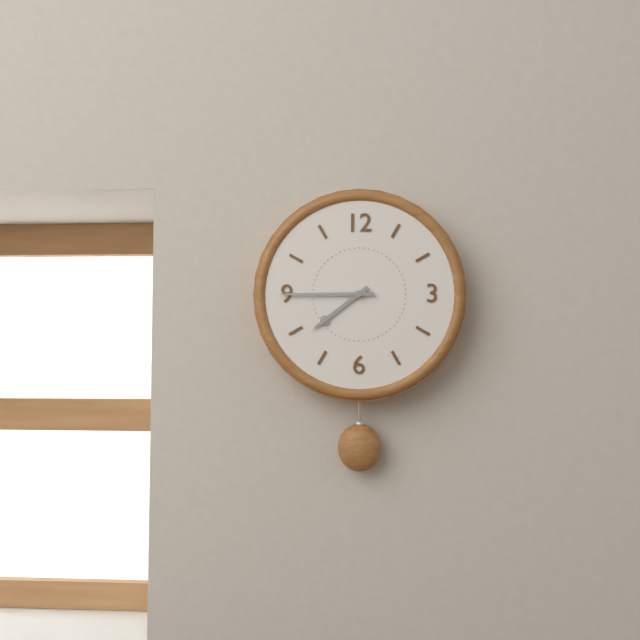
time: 7:45
